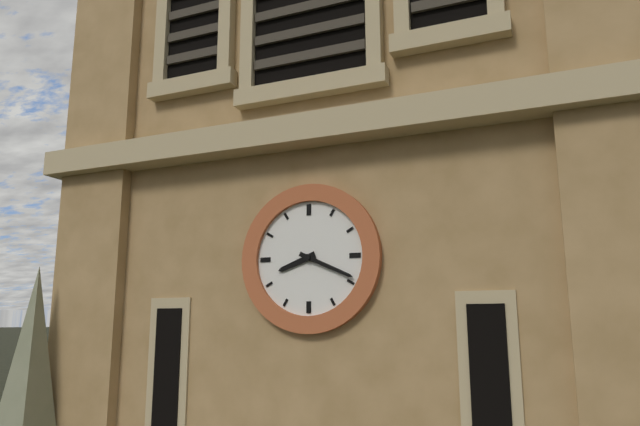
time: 8:19
